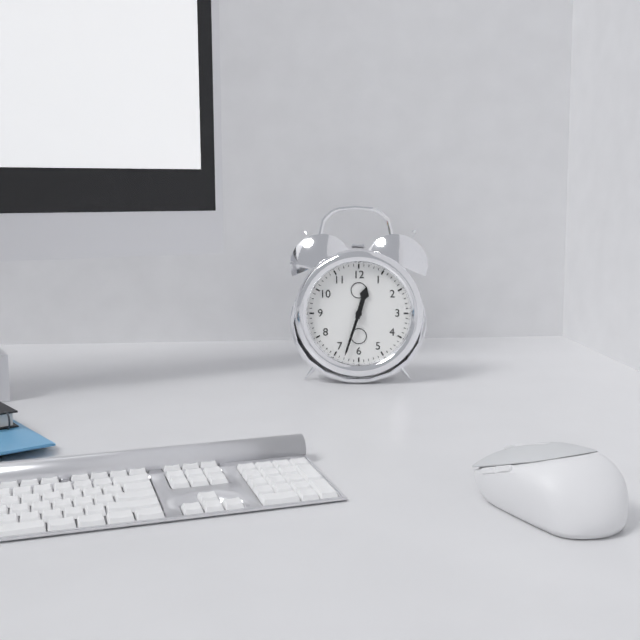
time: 12:33
